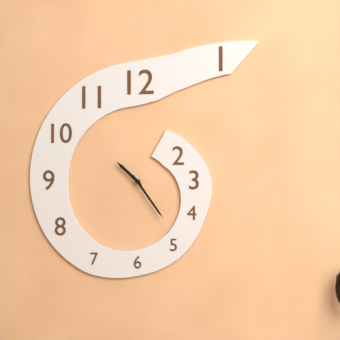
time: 10:24
